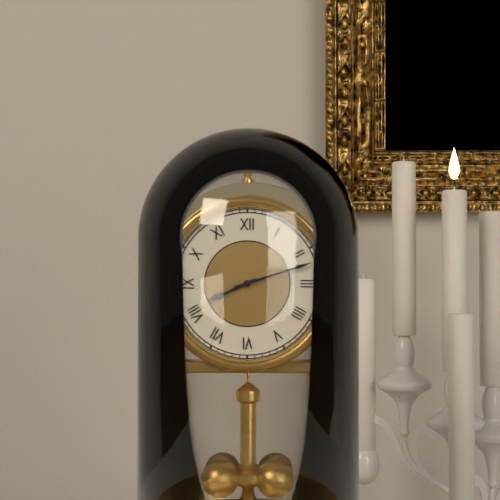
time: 8:12
